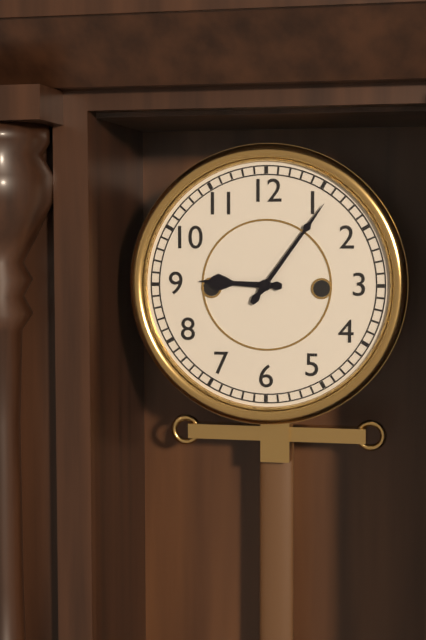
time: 9:06
